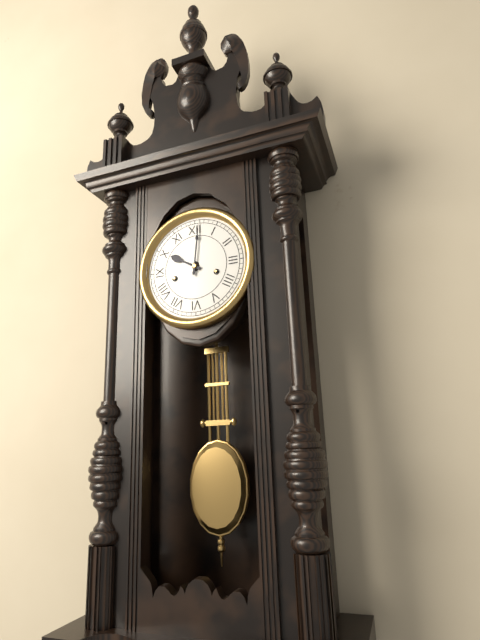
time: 10:01
